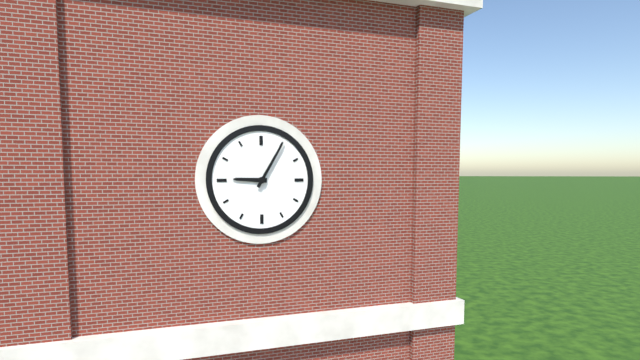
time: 9:05
